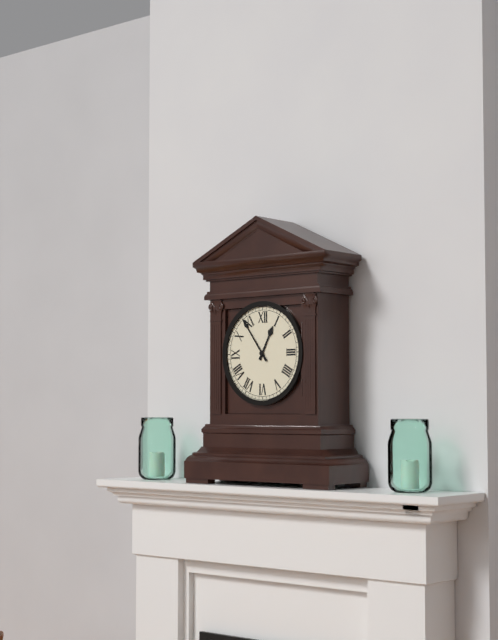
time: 12:54
